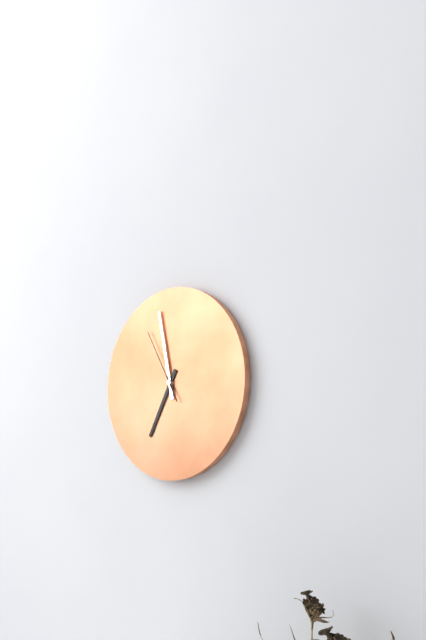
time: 6:58:55
